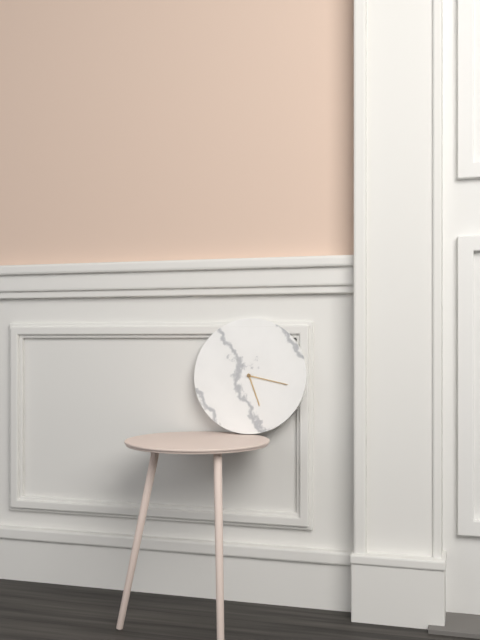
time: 5:17
